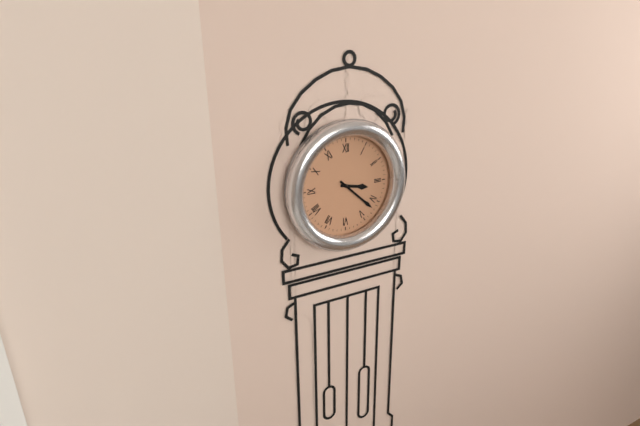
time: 3:22
